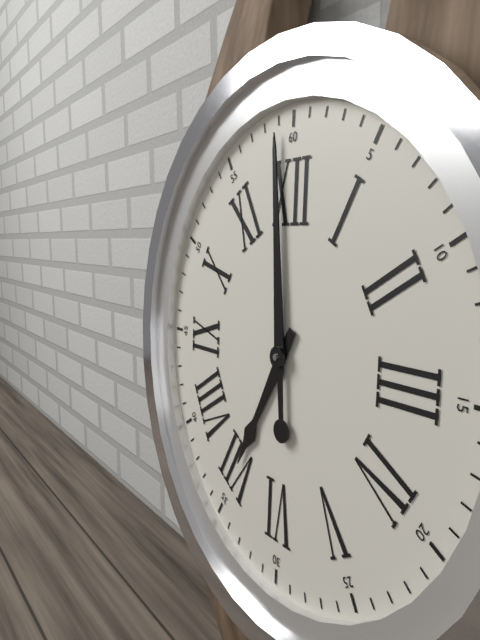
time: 6:59
